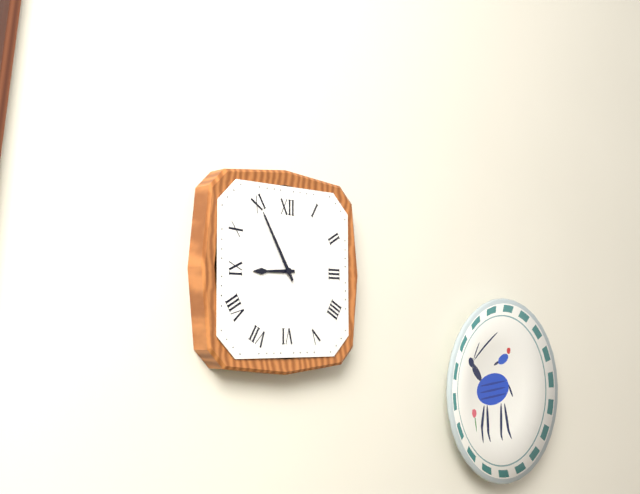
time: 8:55
